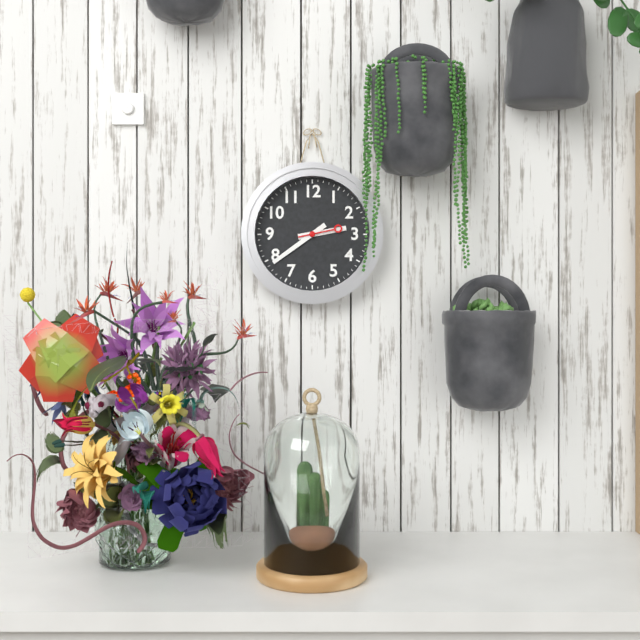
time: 2:39
